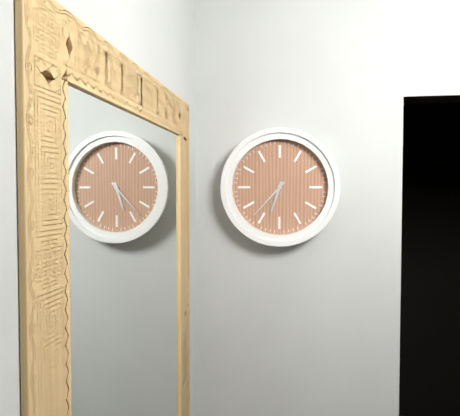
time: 6:37
